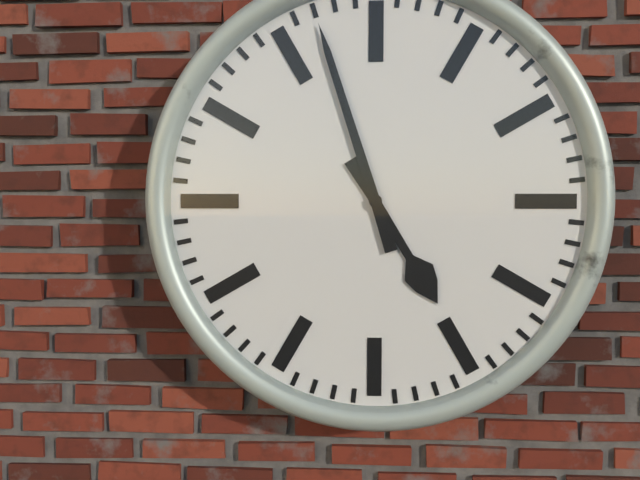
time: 4:57
